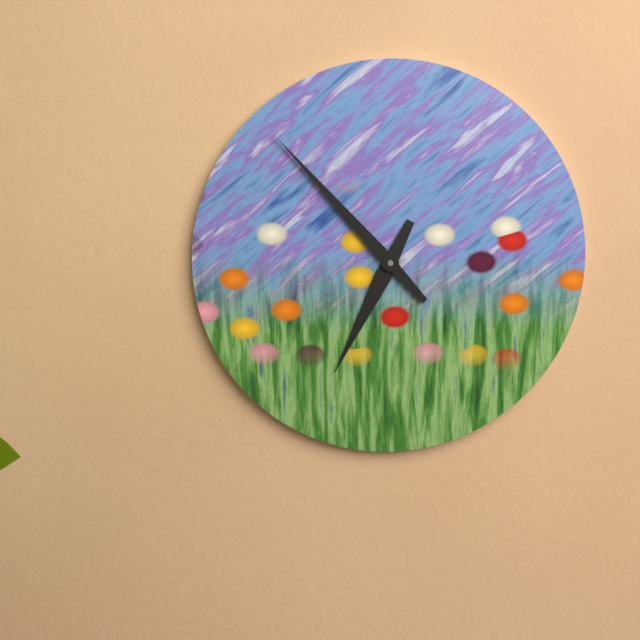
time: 6:53
